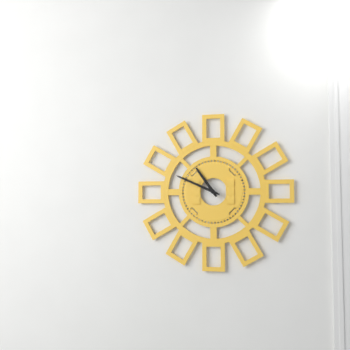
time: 10:49
